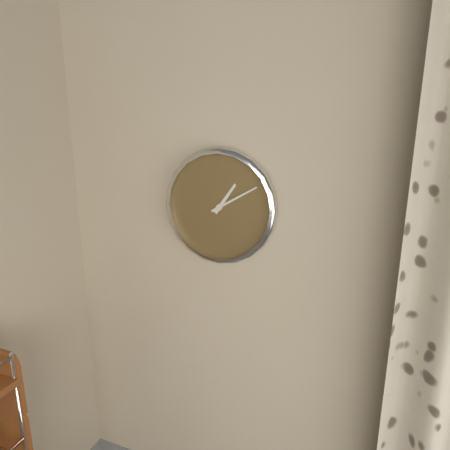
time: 1:10
